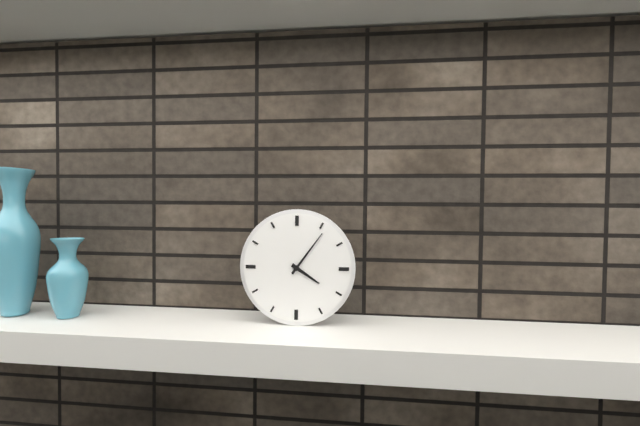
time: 4:06
